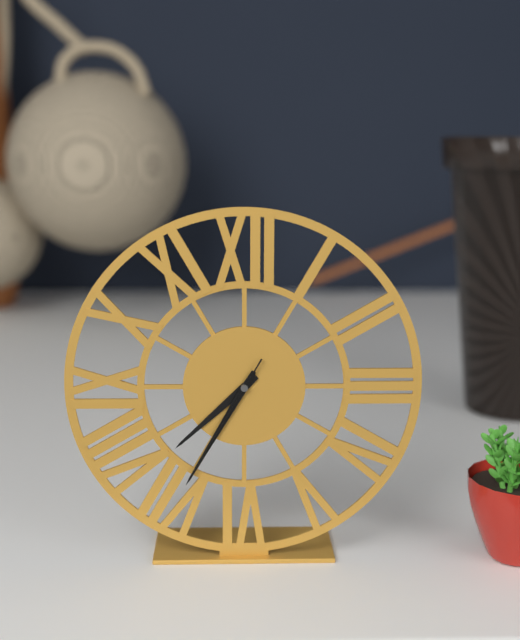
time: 7:35:35
